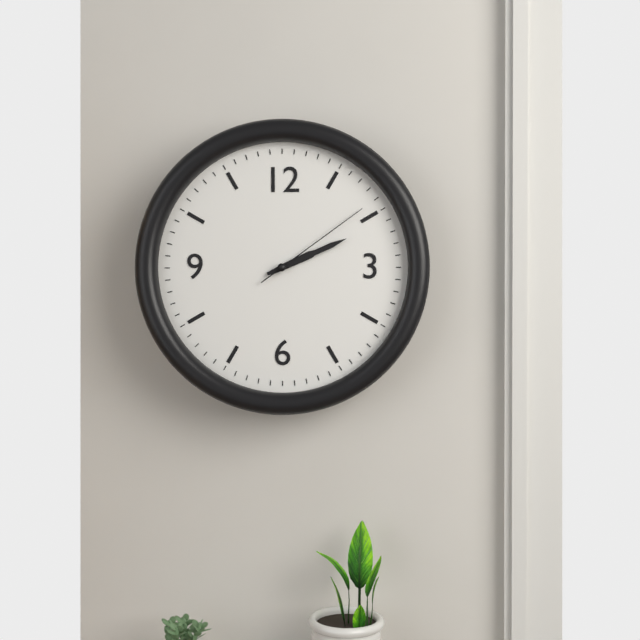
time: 2:11:09
